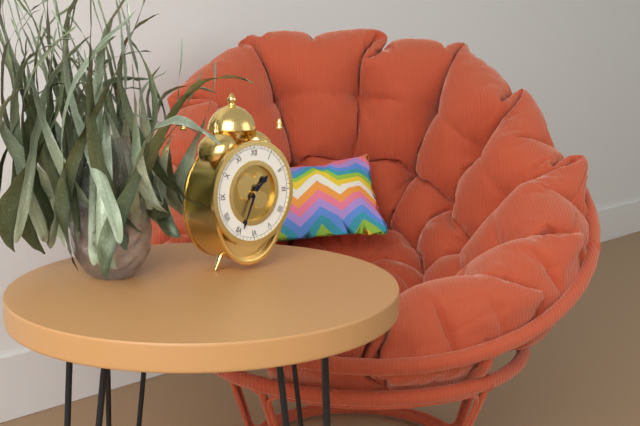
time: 1:34
